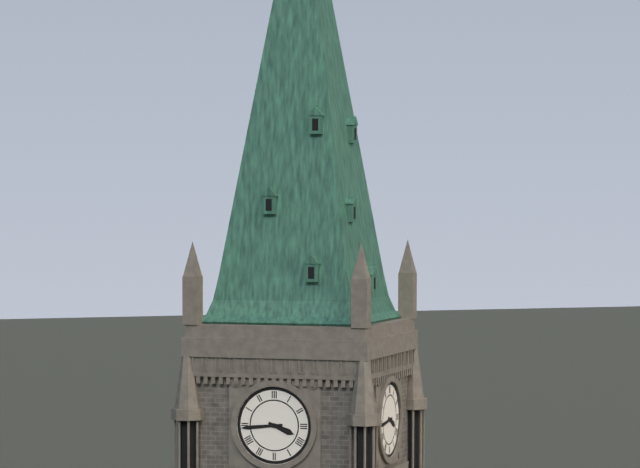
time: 3:44
